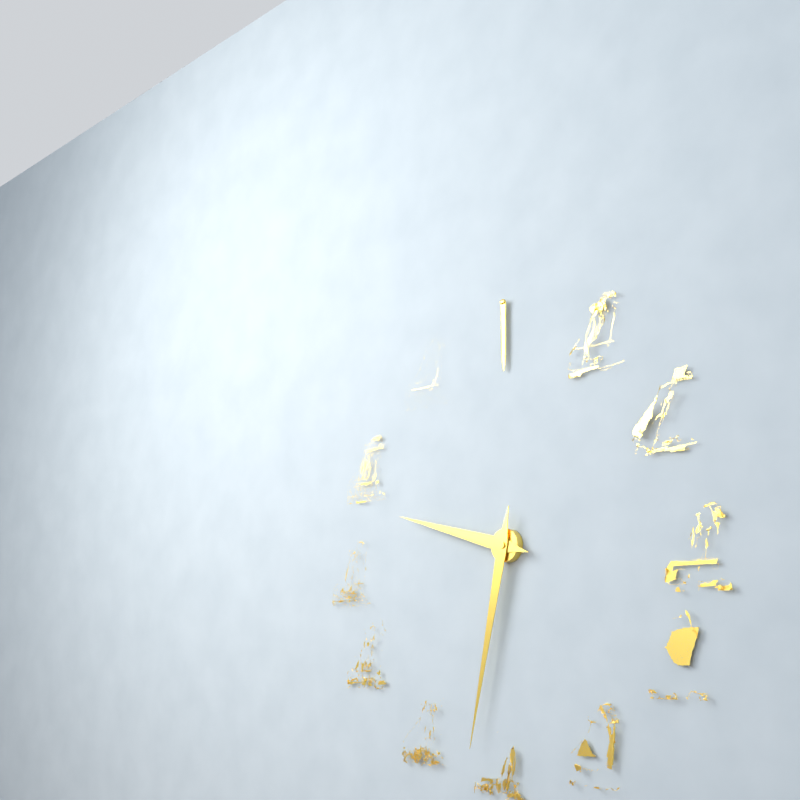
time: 9:32
